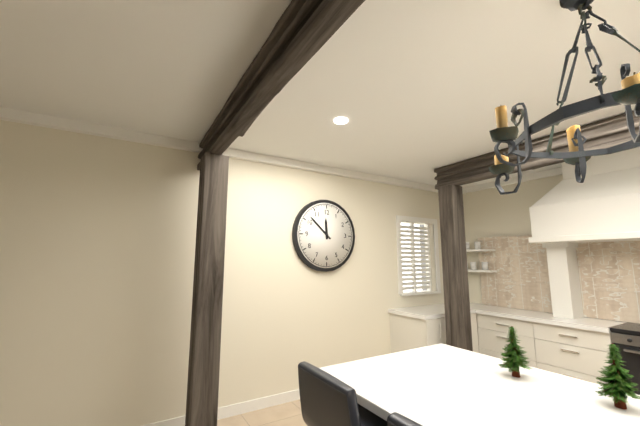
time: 11:52
